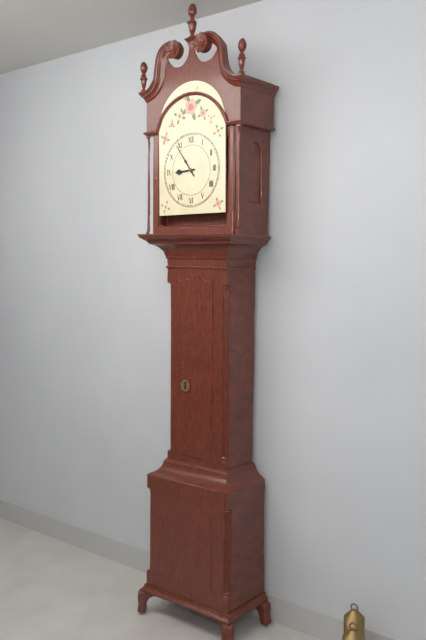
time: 8:54
